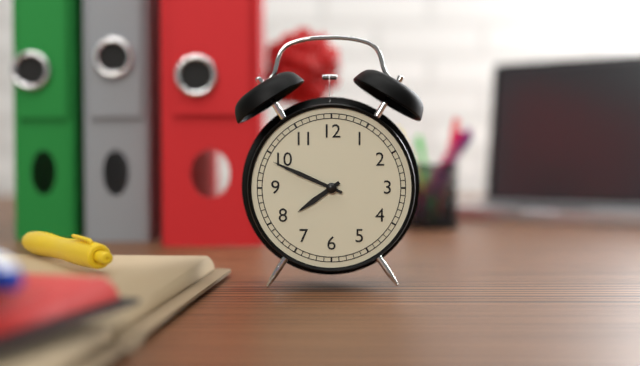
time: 7:49
